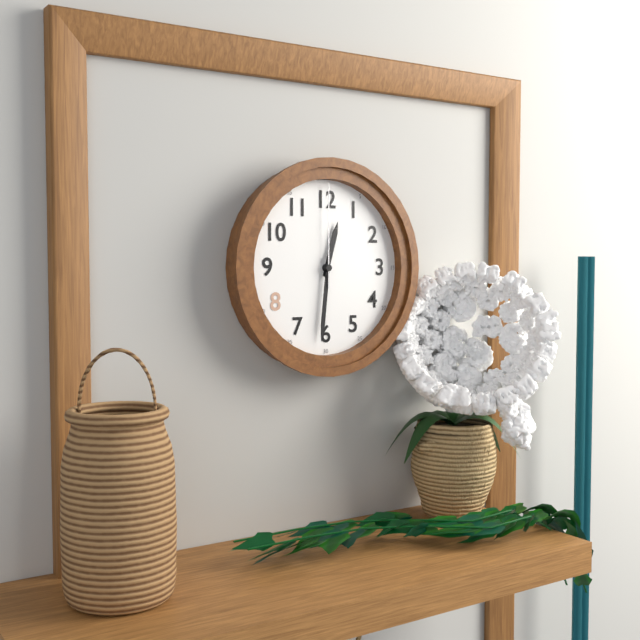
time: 12:31:00
